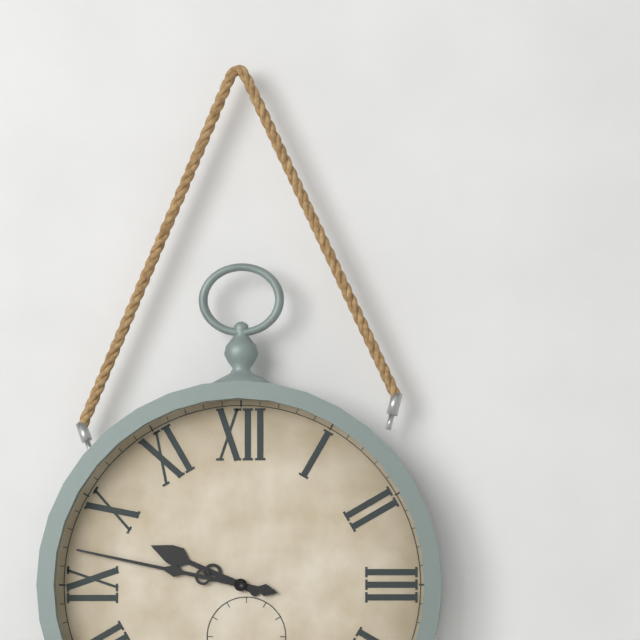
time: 9:47
